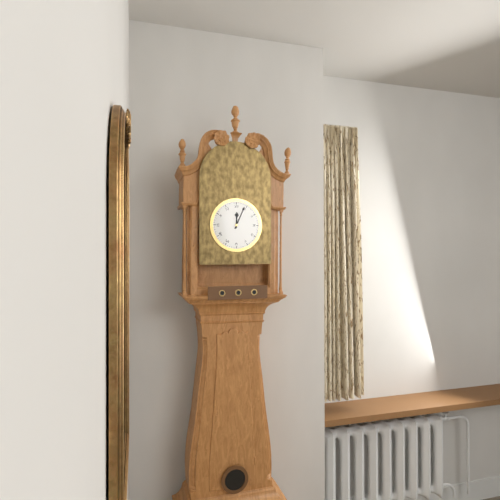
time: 12:04
